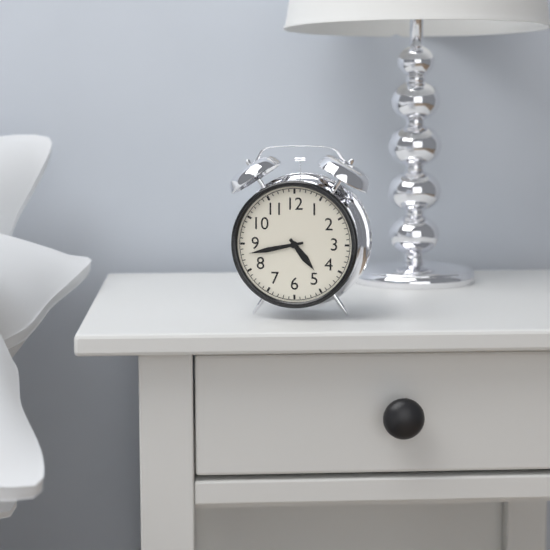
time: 4:43
